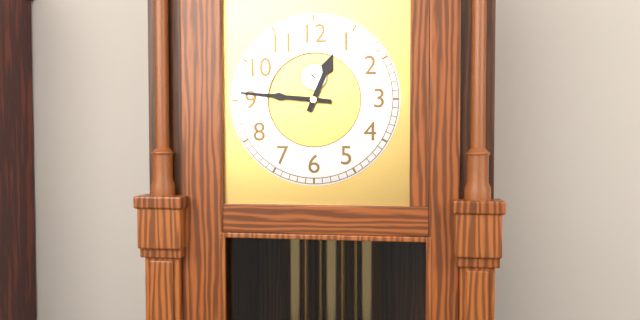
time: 12:46
